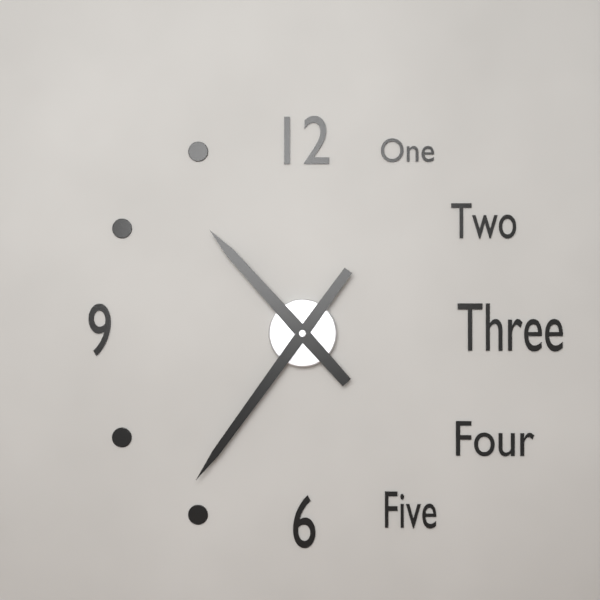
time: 10:36
